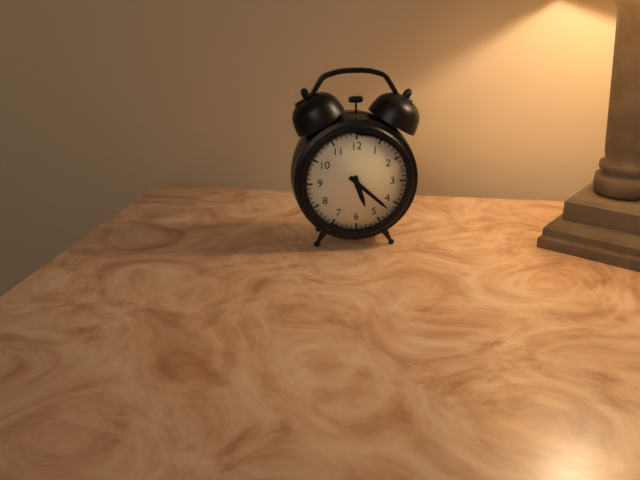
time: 5:22
